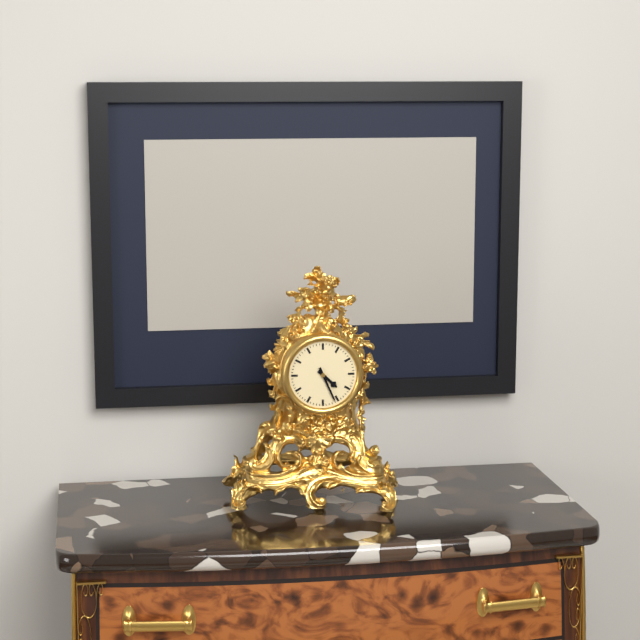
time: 4:26
